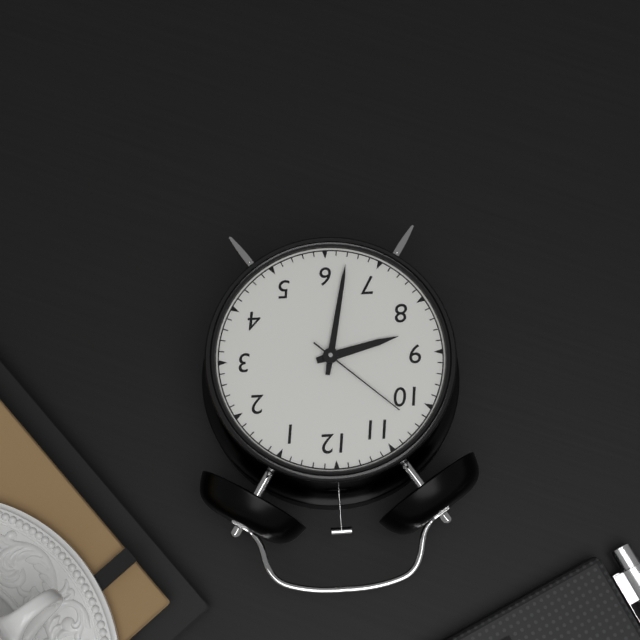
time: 8:32:52
